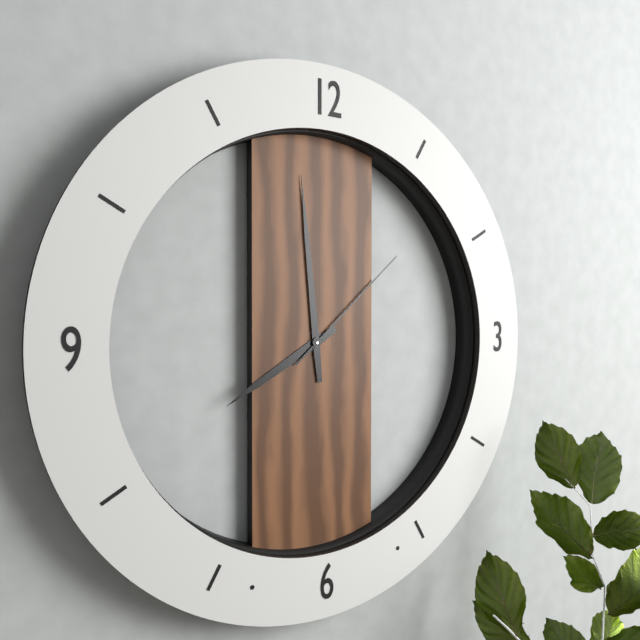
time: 7:59:08
